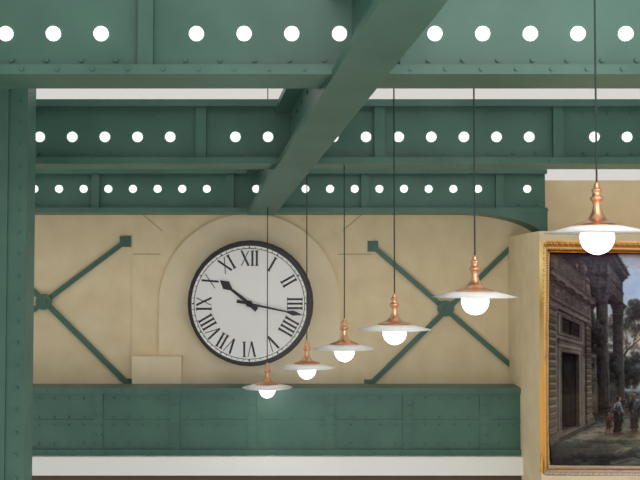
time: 10:17
